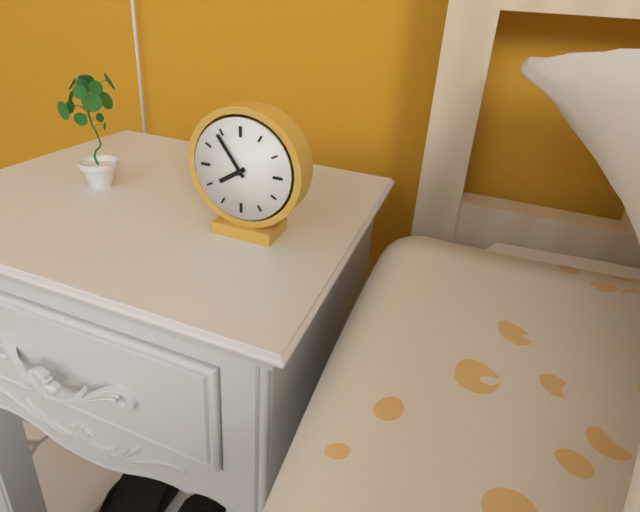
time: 7:54
